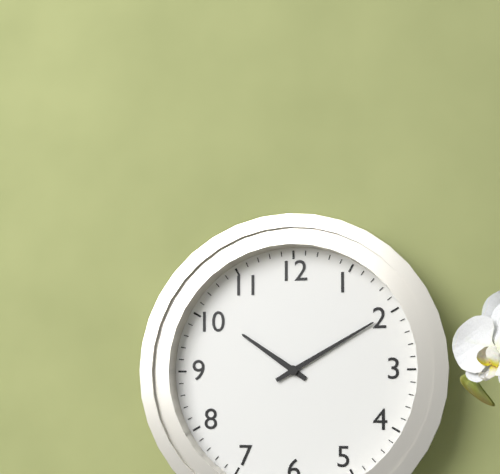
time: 10:10
